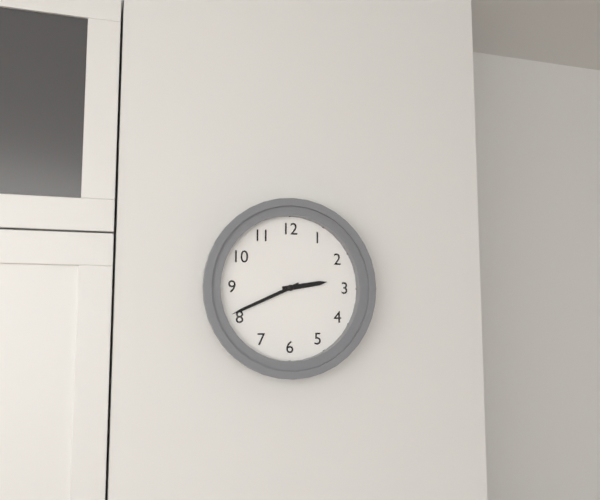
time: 2:41
